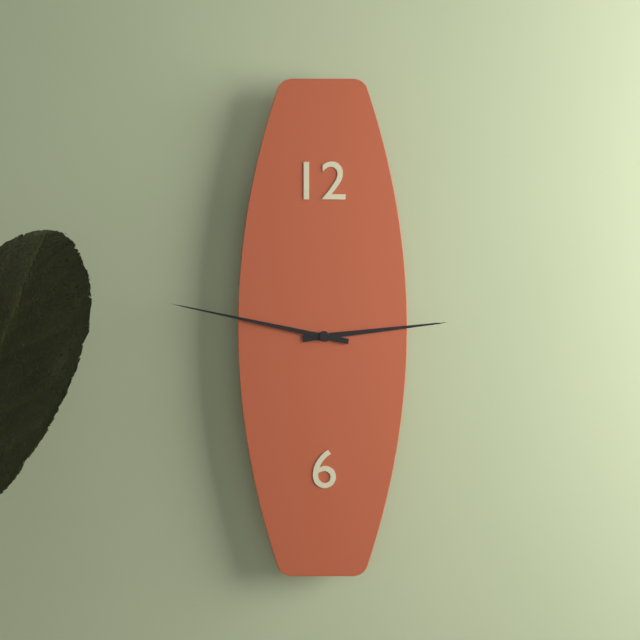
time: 2:47
